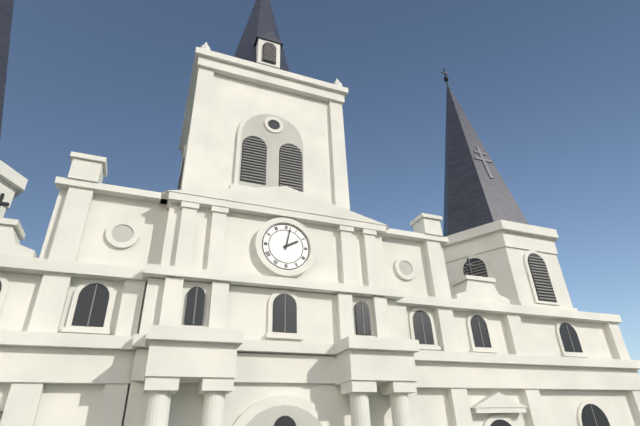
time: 2:02
